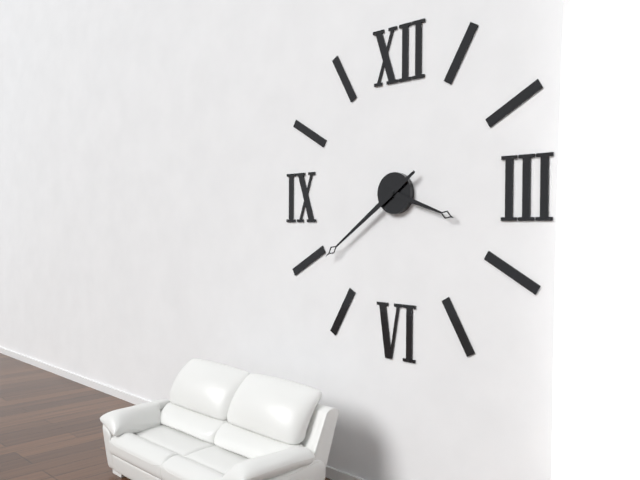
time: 3:39
